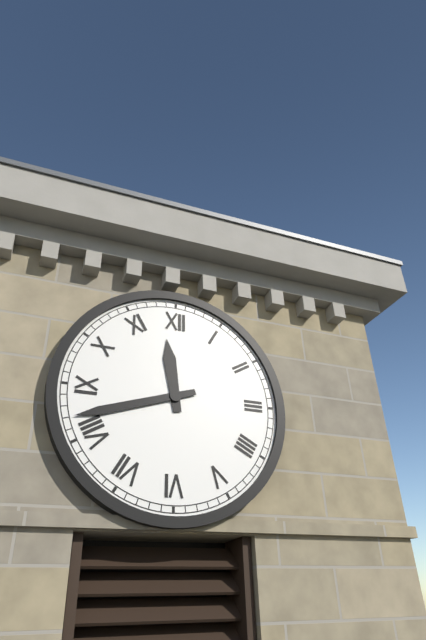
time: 11:42
